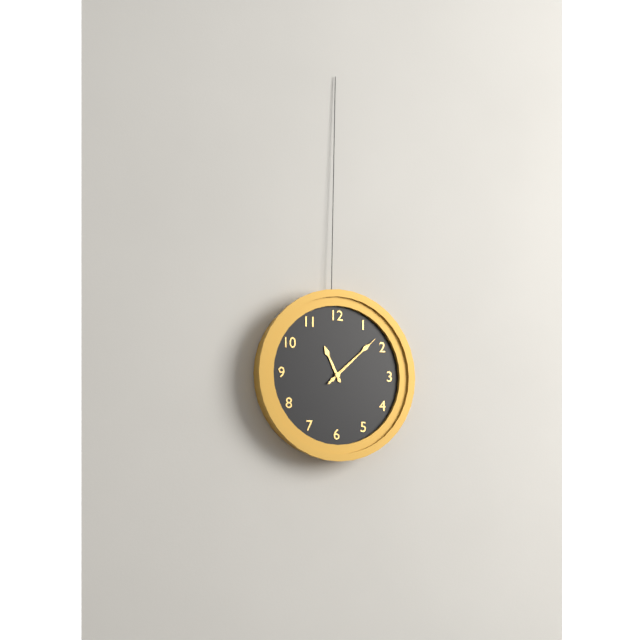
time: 11:08:08
